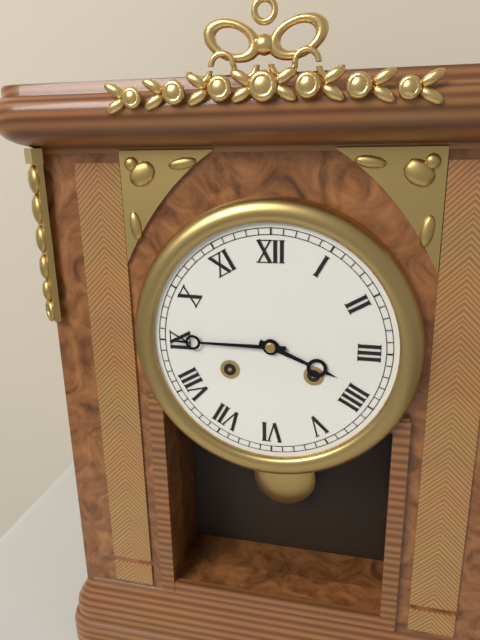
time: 3:45
